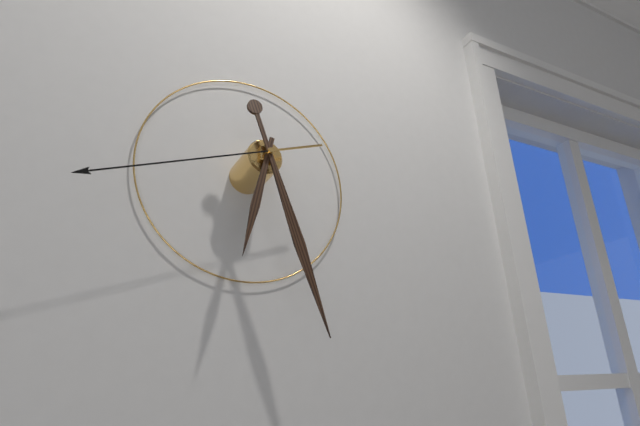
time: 6:27:42
